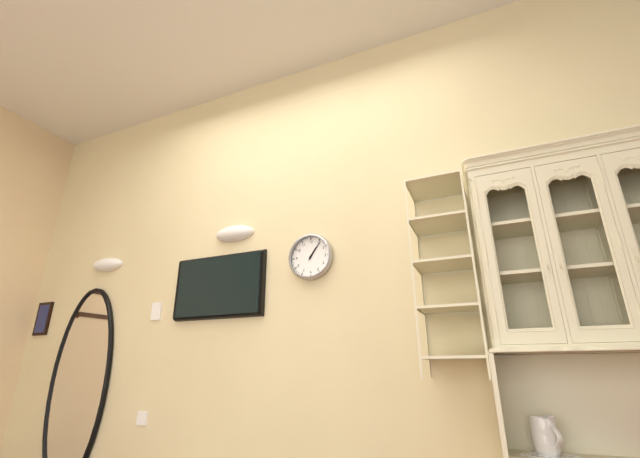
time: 1:06
